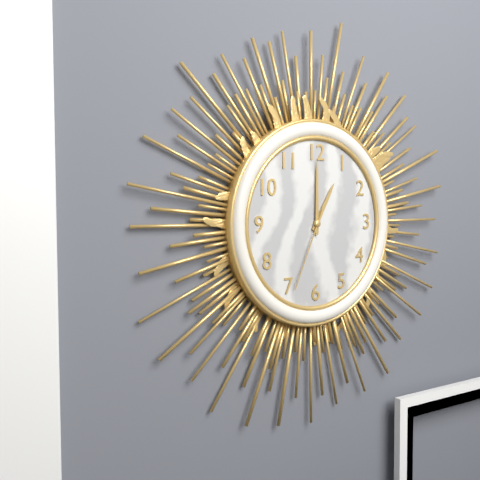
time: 1:00:34
